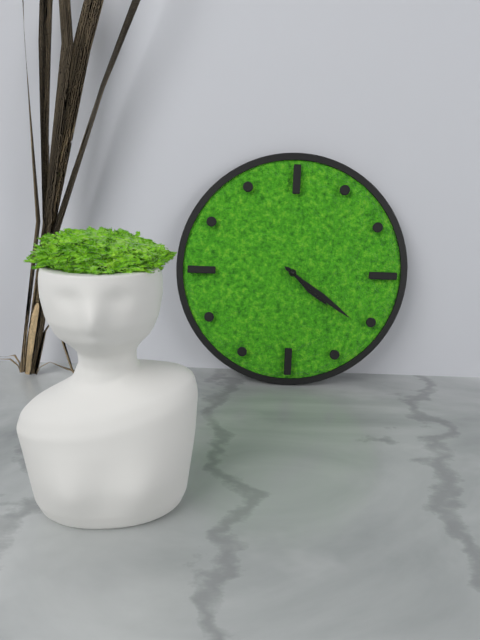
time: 4:21
